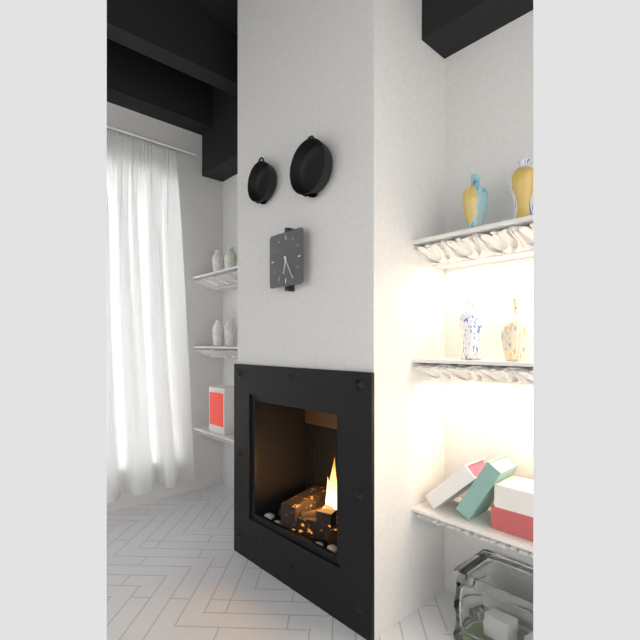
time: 6:25
